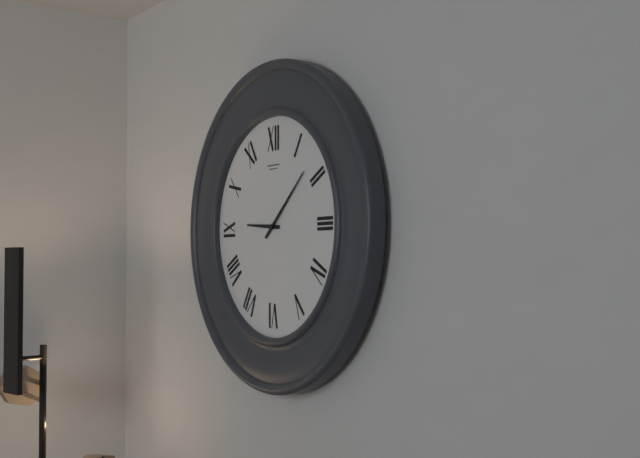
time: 9:08
